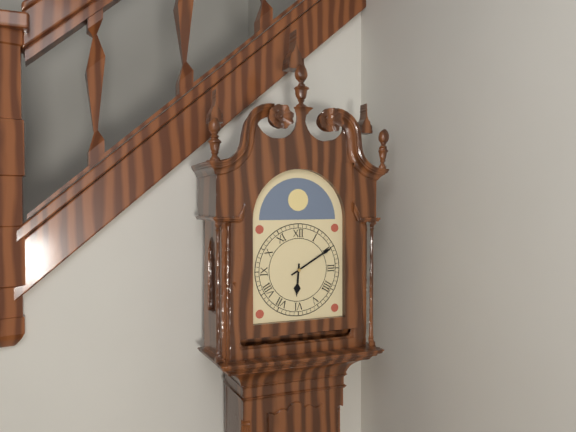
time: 6:10
